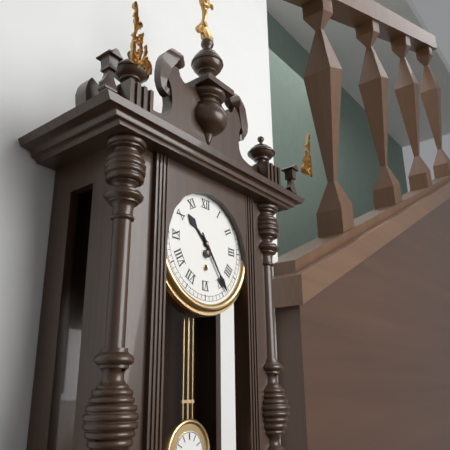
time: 10:24
